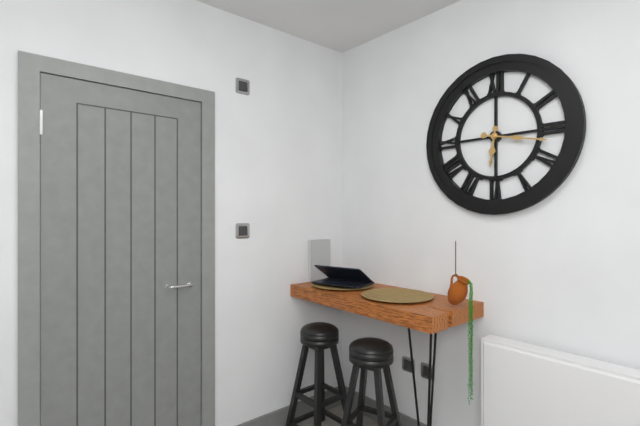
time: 6:17
